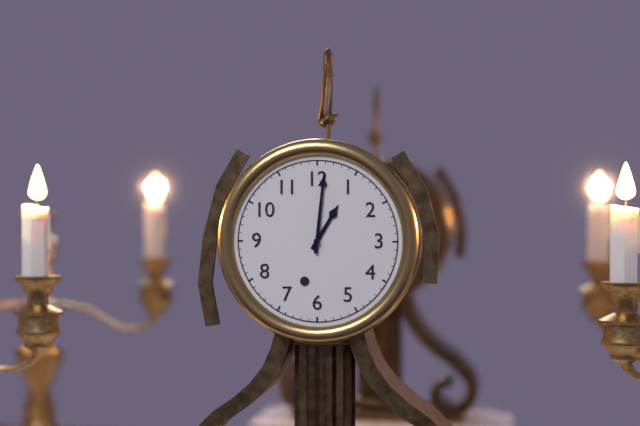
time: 1:01
